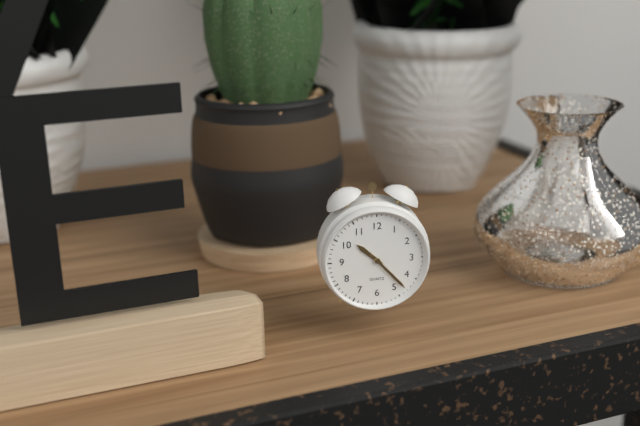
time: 10:23
